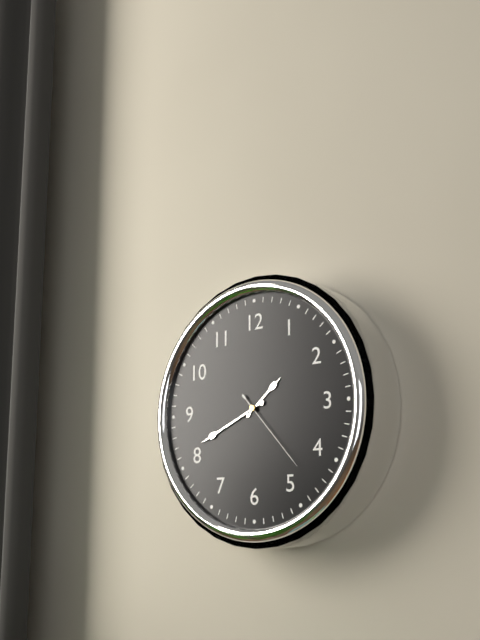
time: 1:41:23
